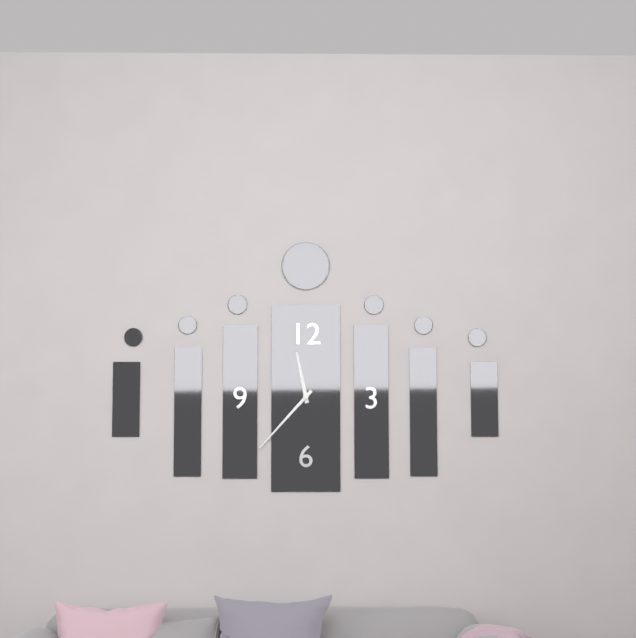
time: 11:37
